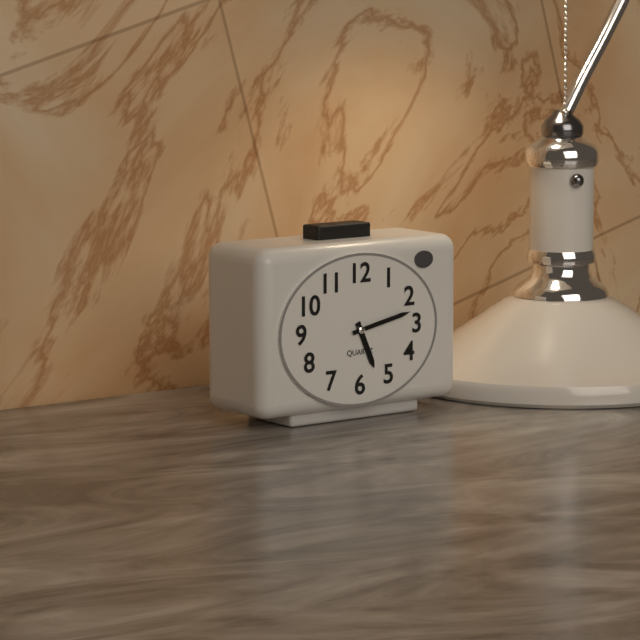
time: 5:13
